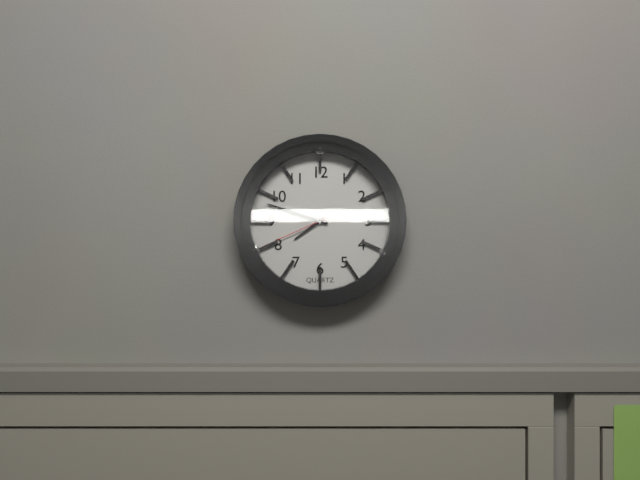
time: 7:48:41
